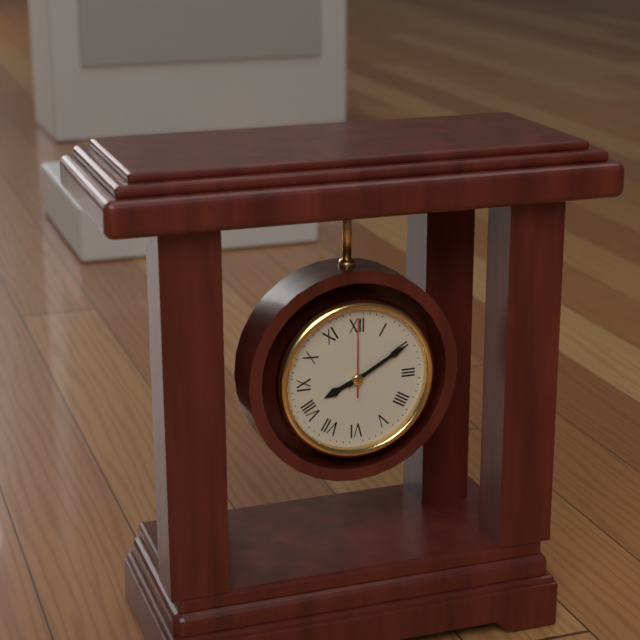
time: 8:10:00
